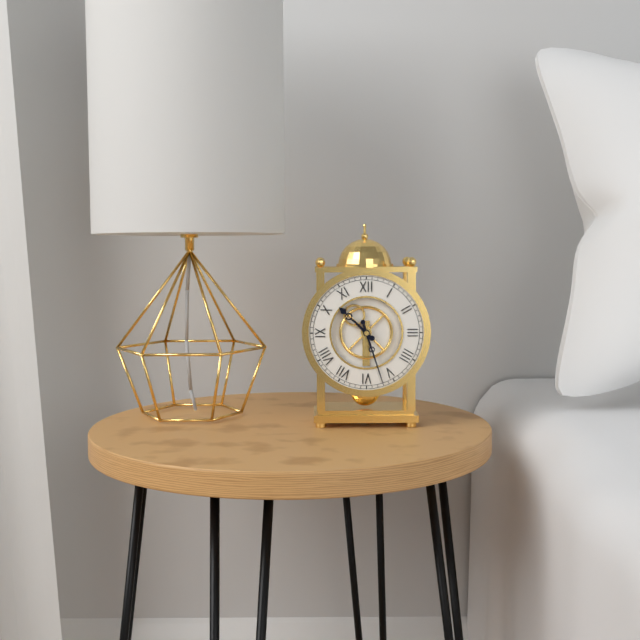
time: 10:27
